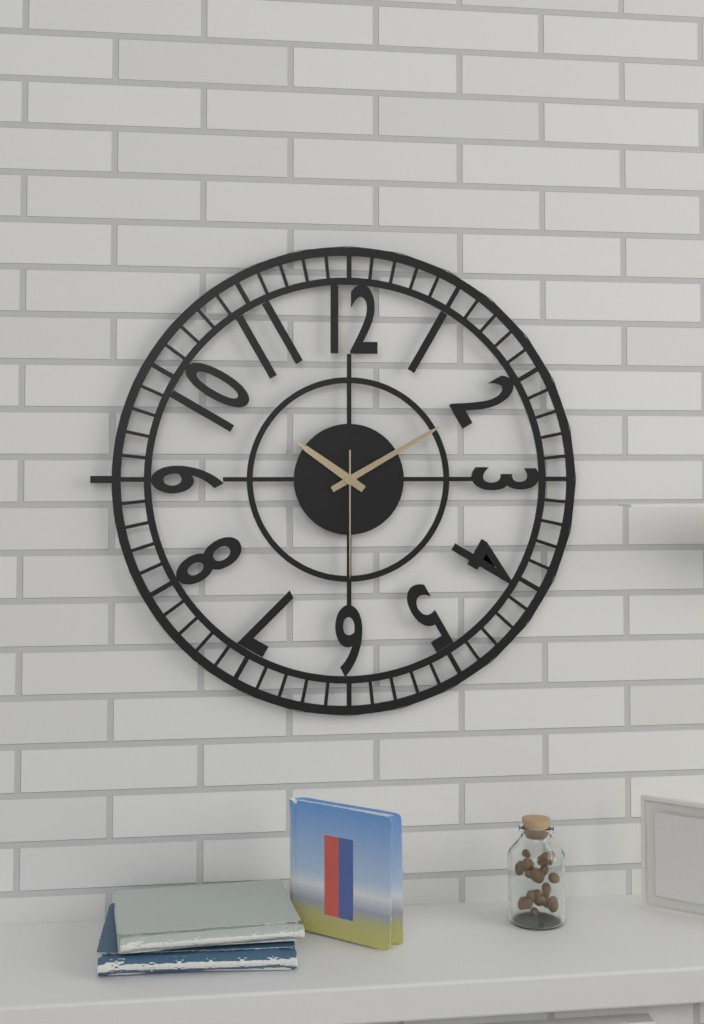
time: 10:10:30
